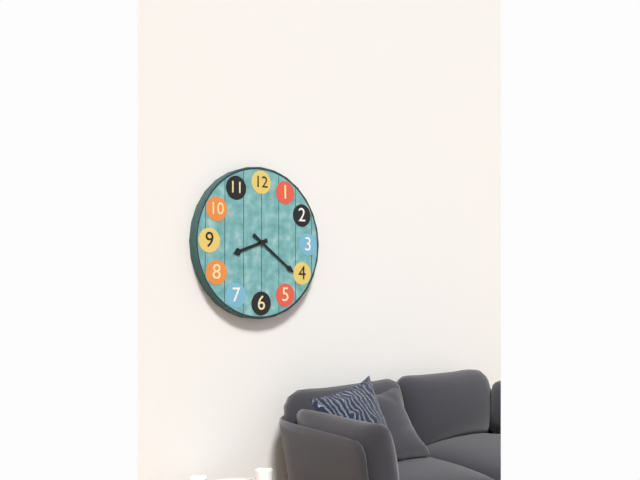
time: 8:21
